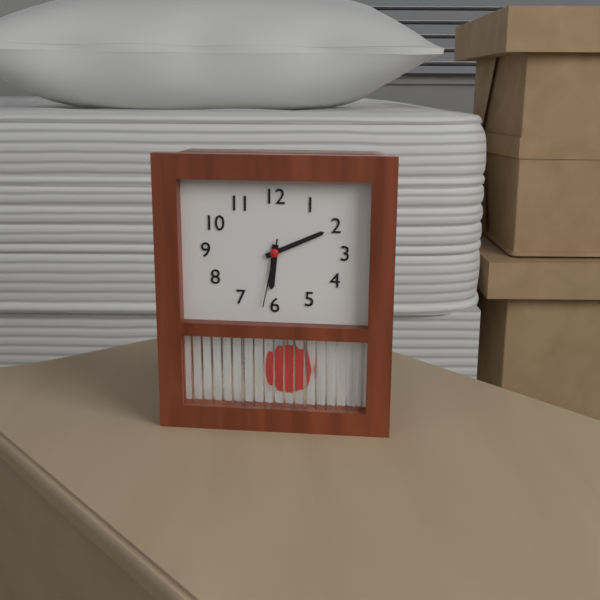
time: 6:11:32
